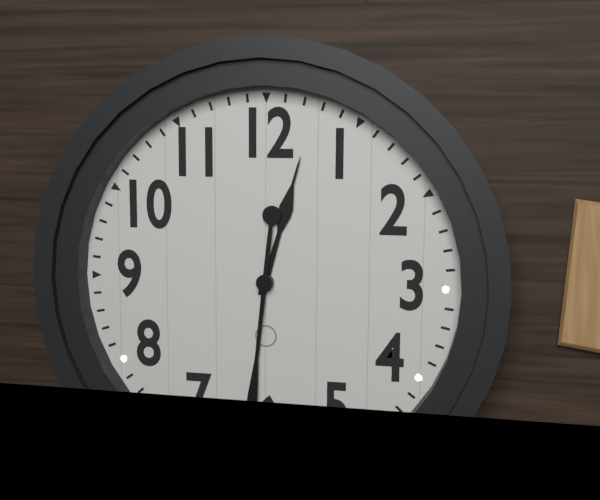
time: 12:31
